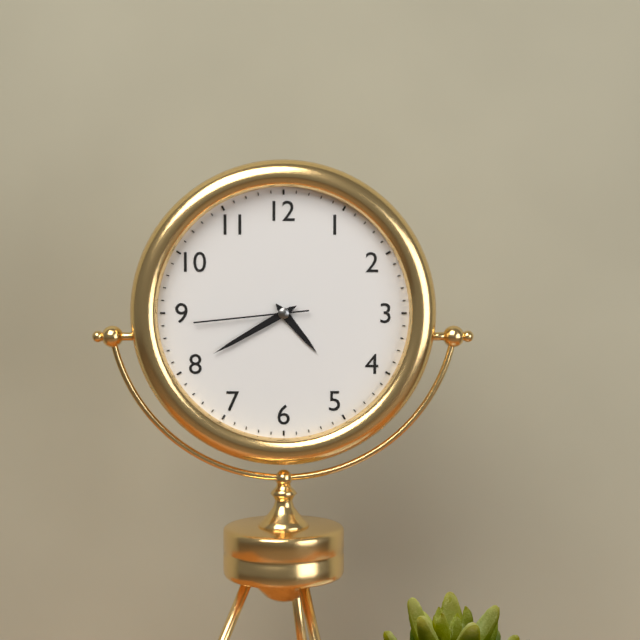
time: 4:40:44
